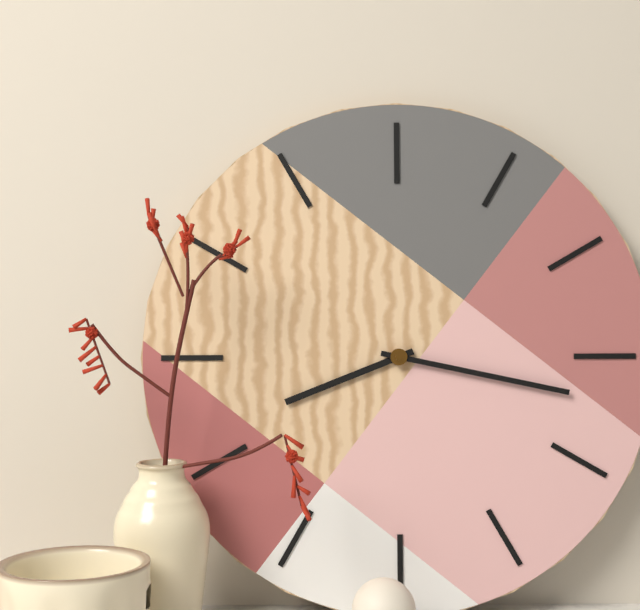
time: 8:17
